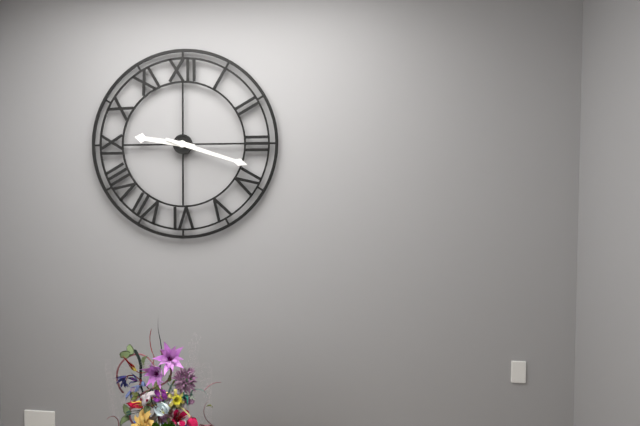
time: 9:18
